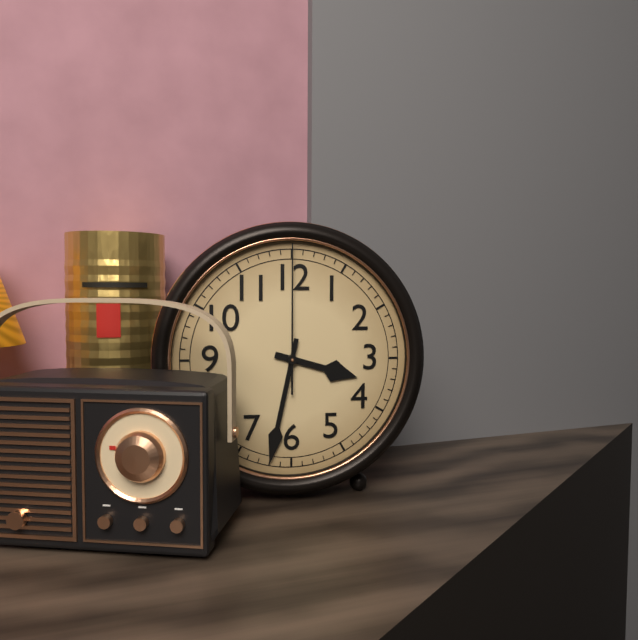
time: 3:32:00
